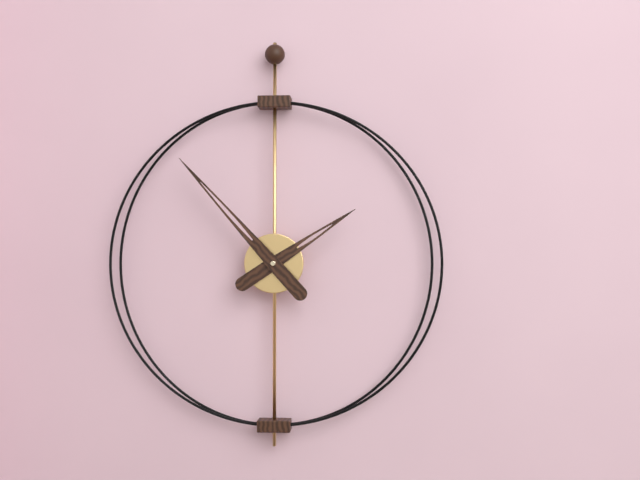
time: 1:53
